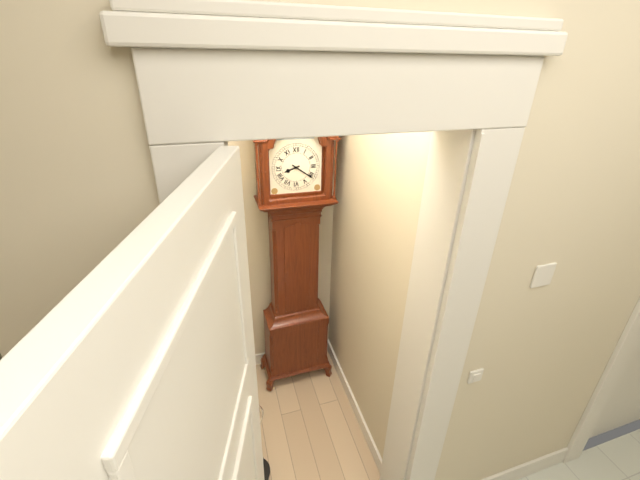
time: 8:21
